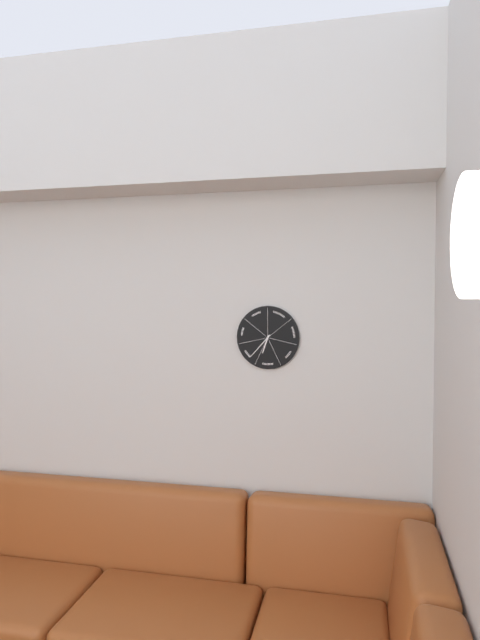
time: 6:37
